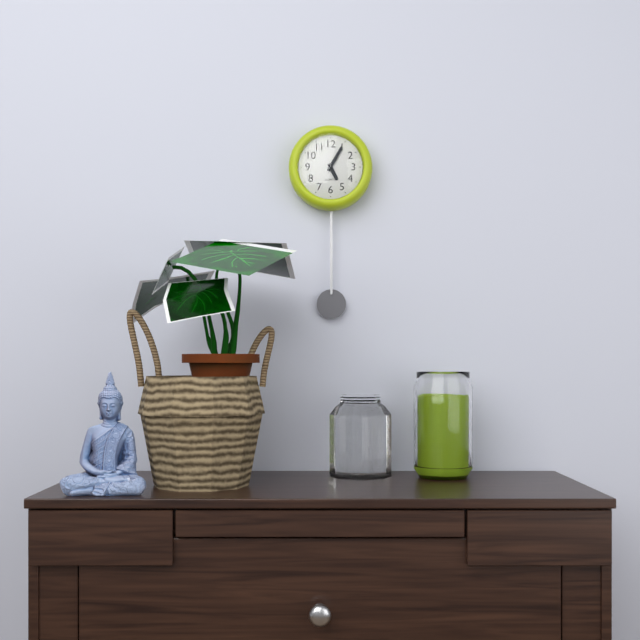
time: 5:05
